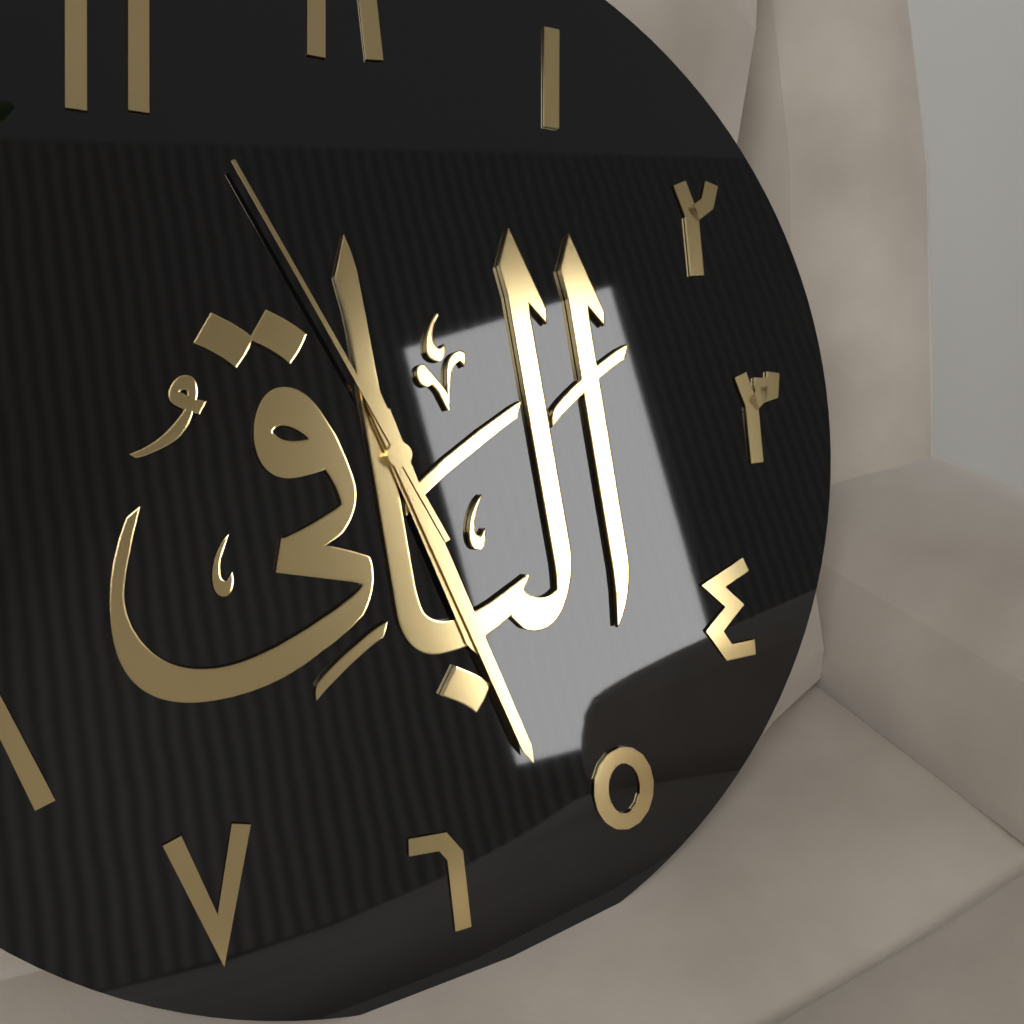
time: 5:27:56
